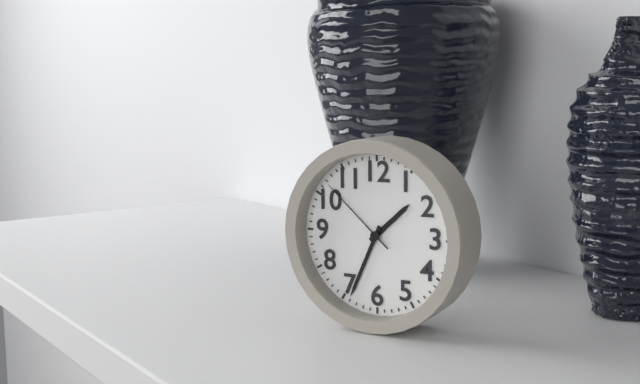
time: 1:34:52
